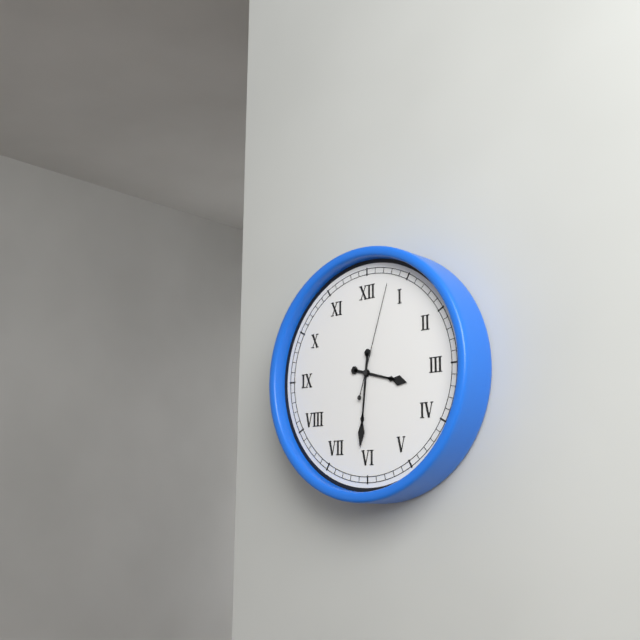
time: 3:31:03
